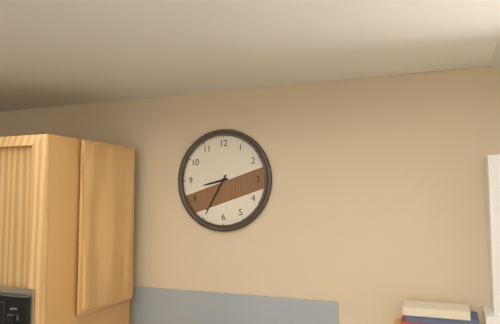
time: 8:35
